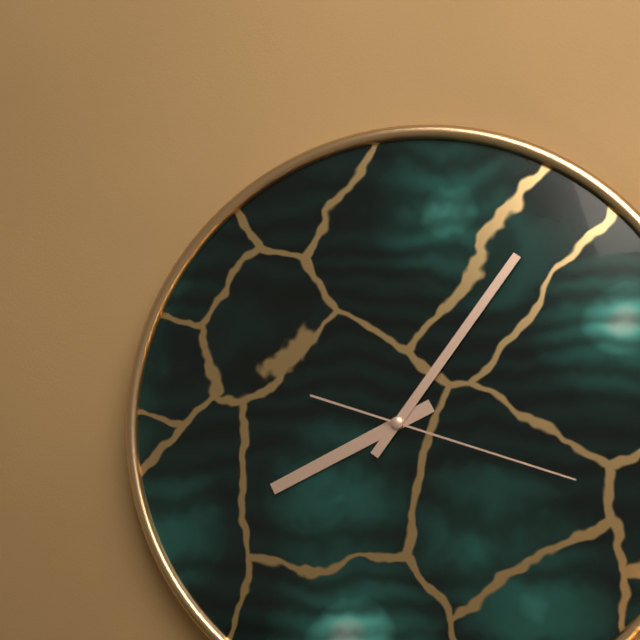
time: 8:06:18
